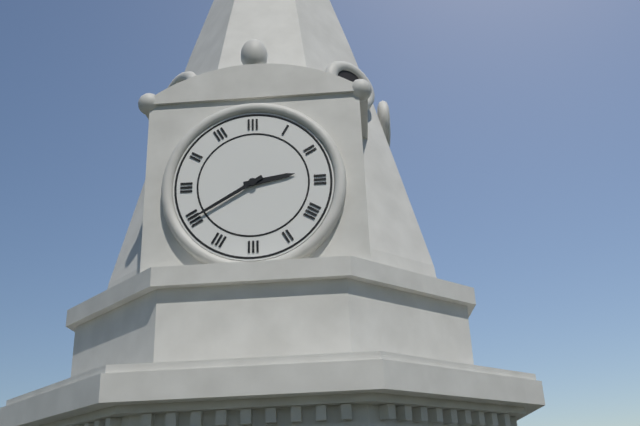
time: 2:40
